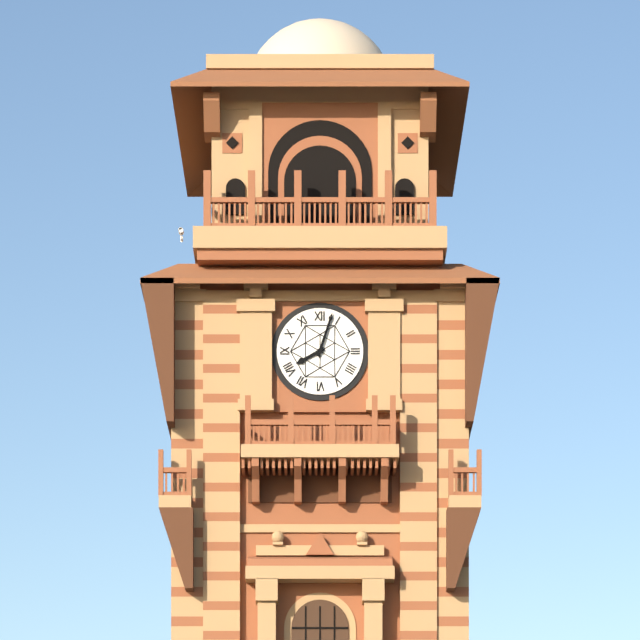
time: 8:03
